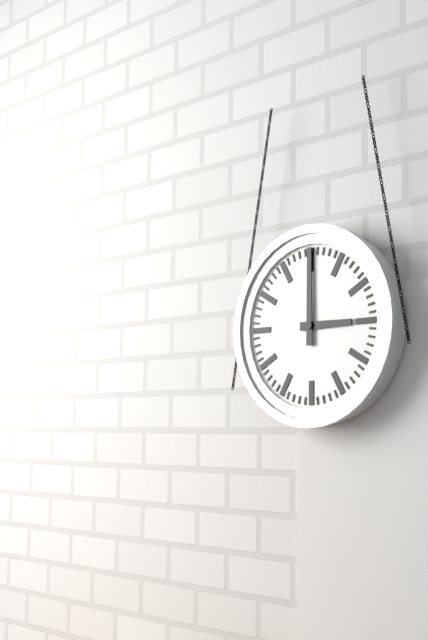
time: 3:00
